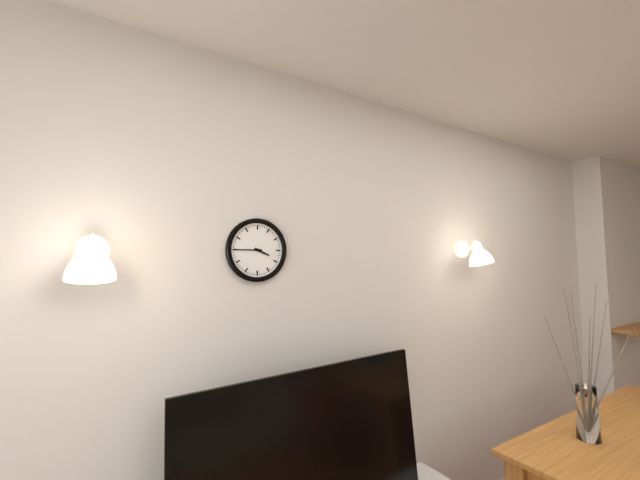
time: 3:45
